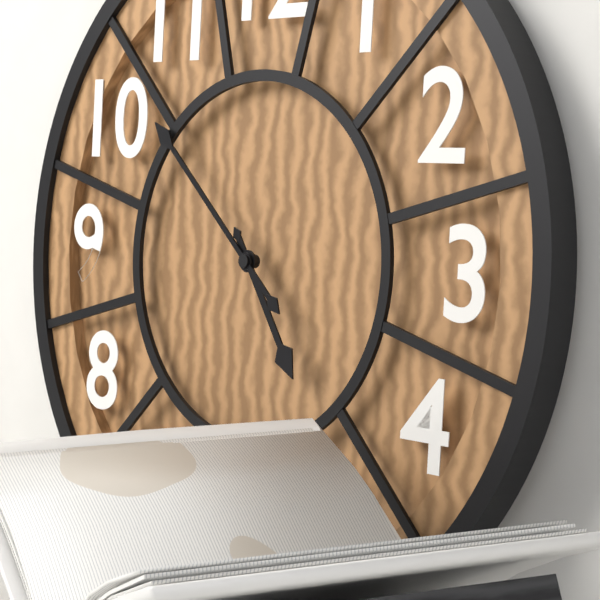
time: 4:52
